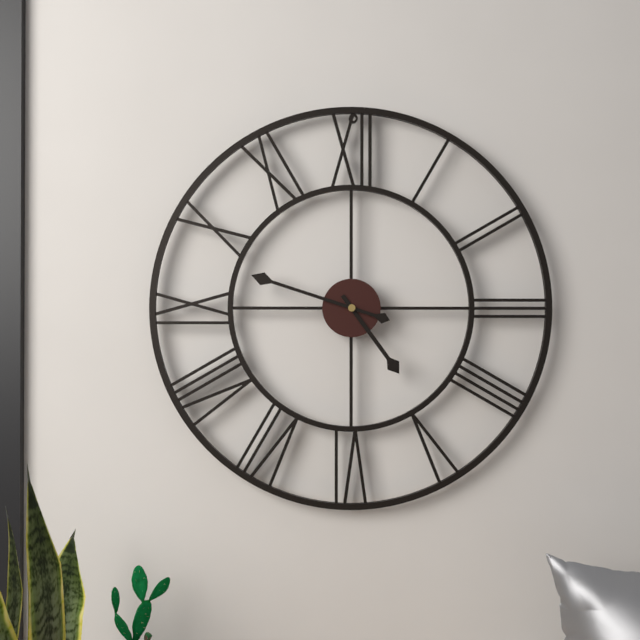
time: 4:48
